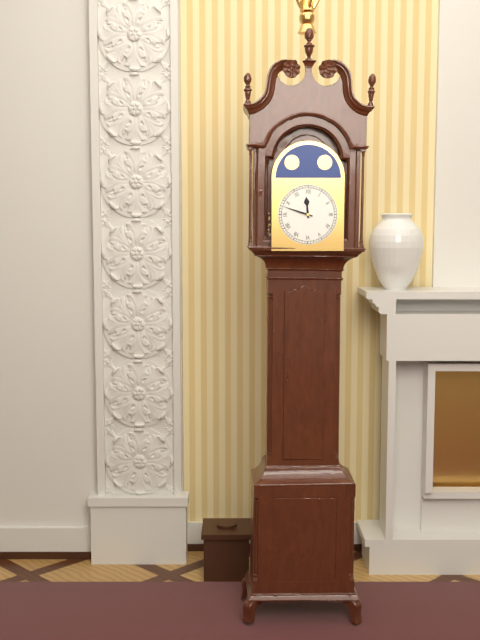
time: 11:48
